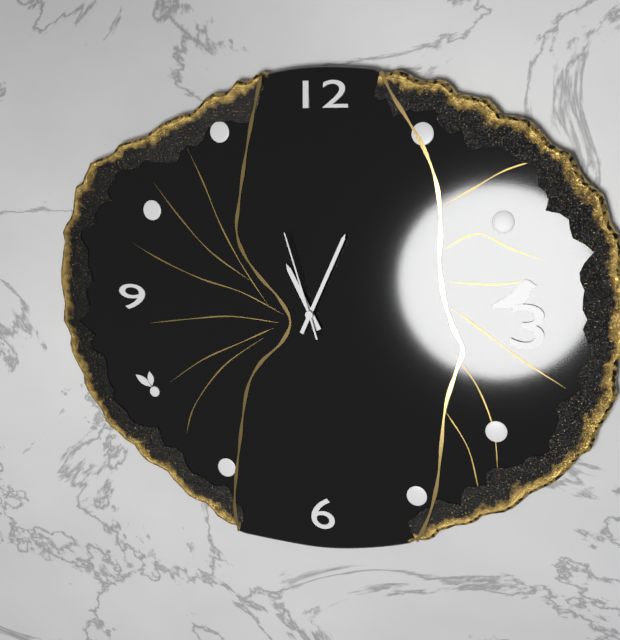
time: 11:04:57
